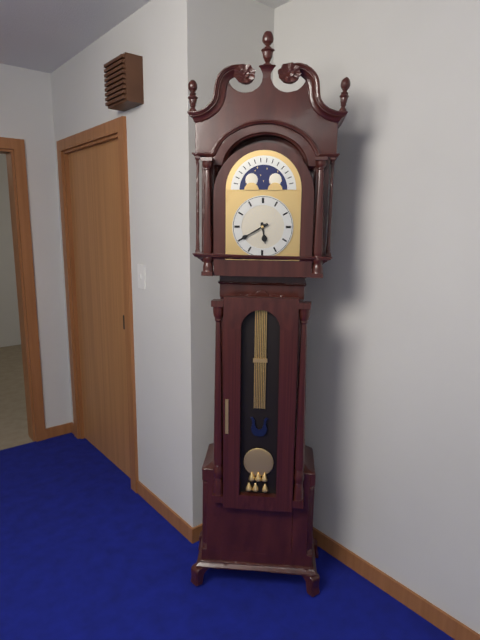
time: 5:40
